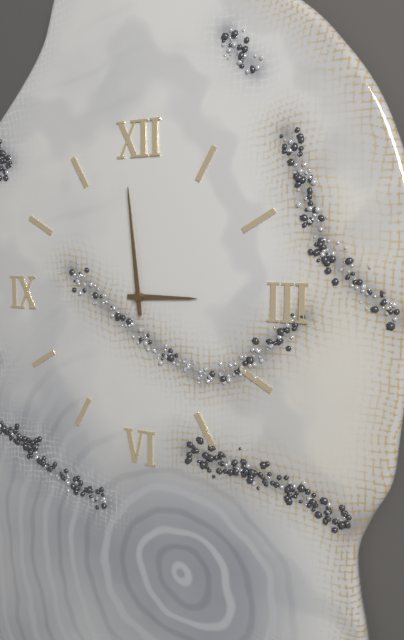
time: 2:59
